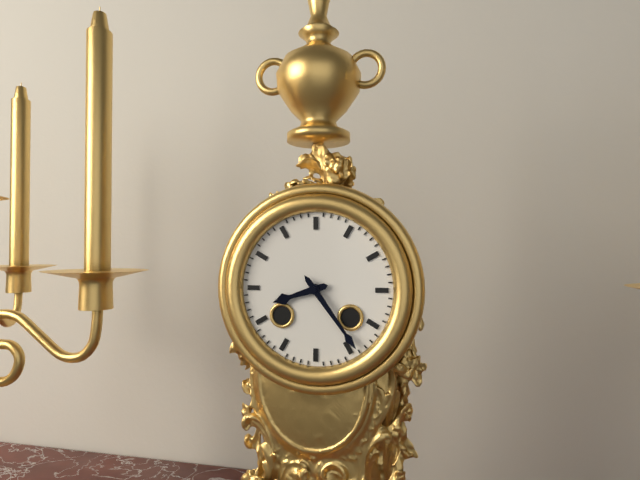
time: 8:24
